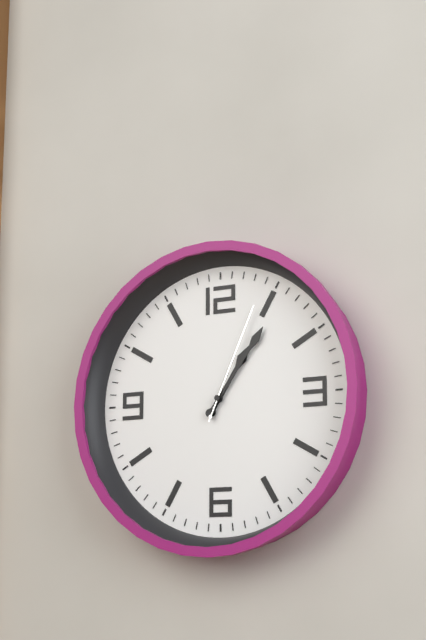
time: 1:06:04
